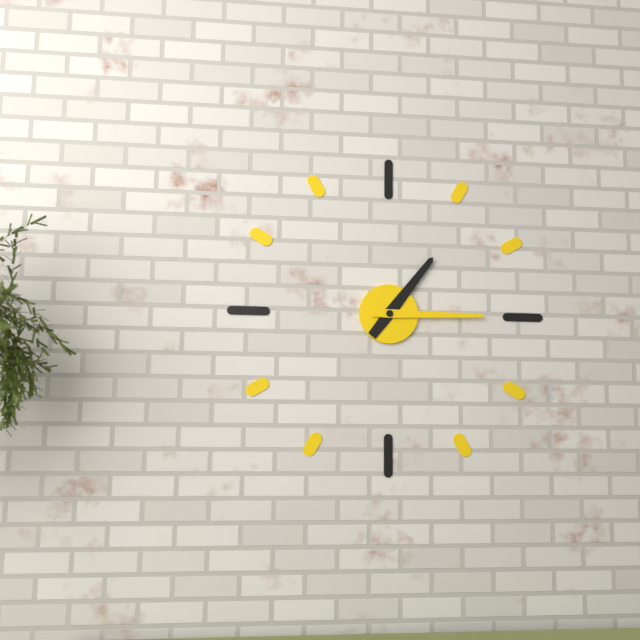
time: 1:15
